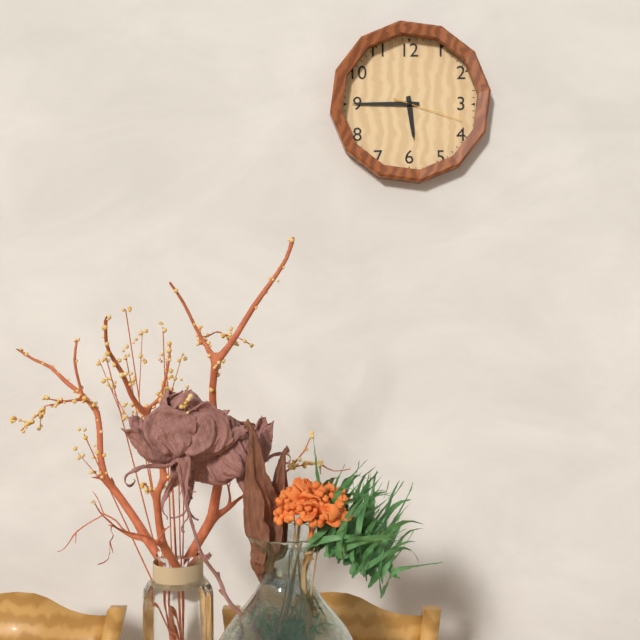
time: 5:45:18
